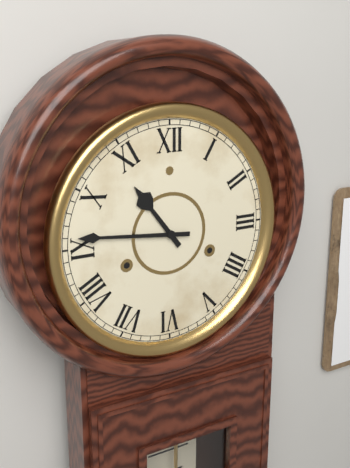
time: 10:46
